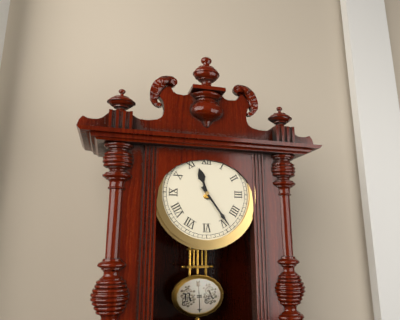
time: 11:24
